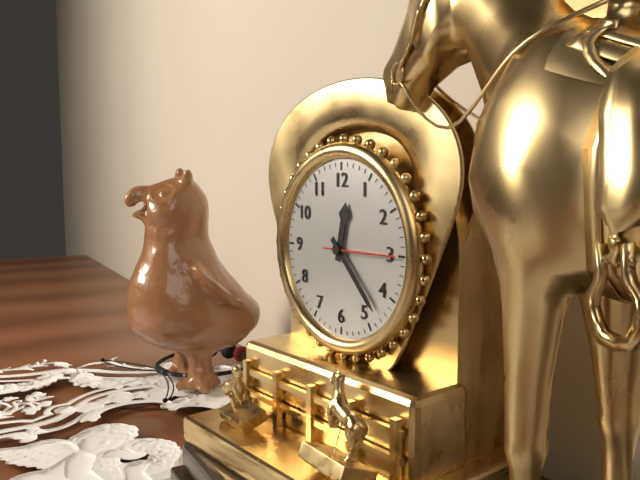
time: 12:23:15
